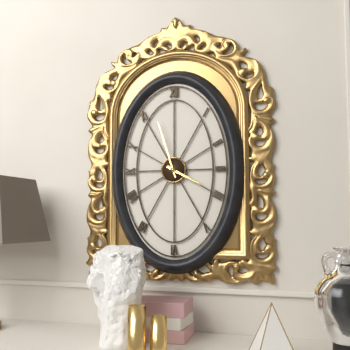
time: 3:57
